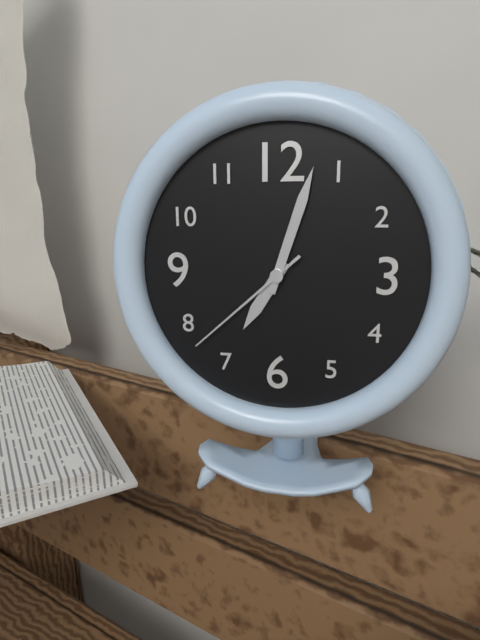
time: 7:03:38
